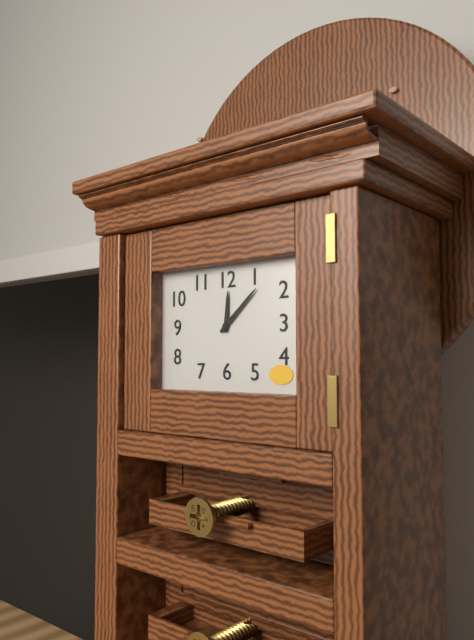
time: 12:08
